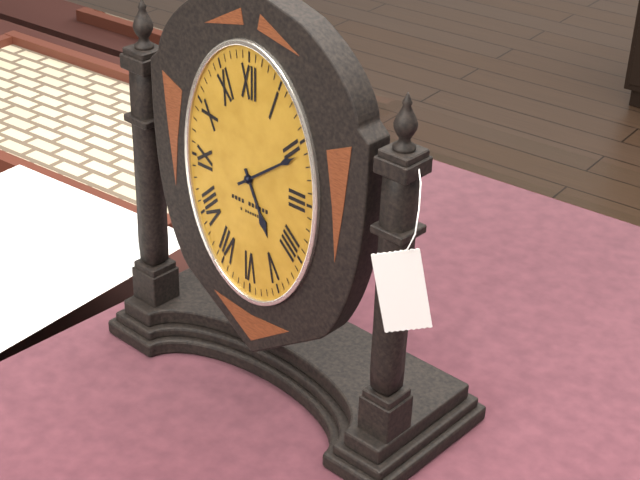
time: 5:09
